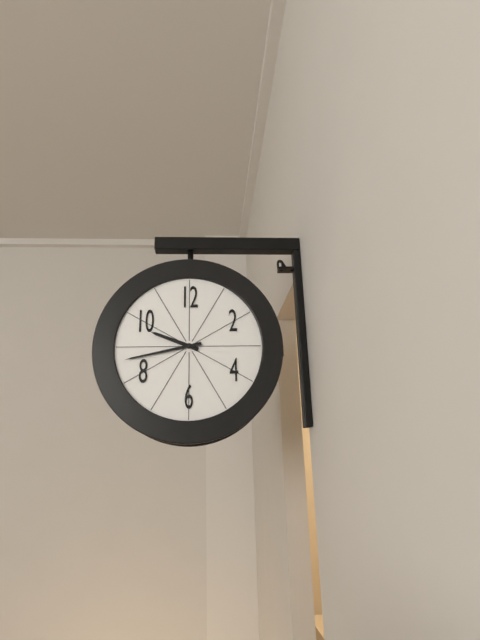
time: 9:43
